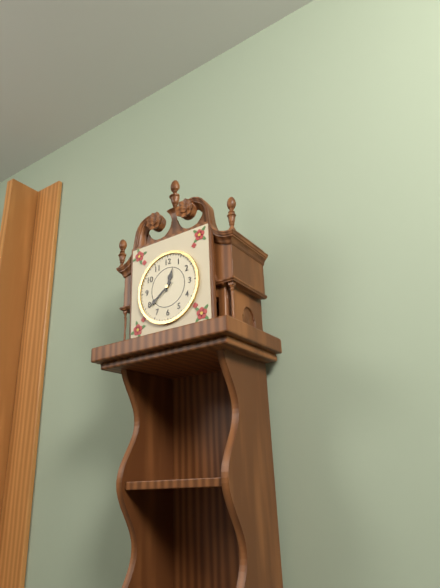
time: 12:39
